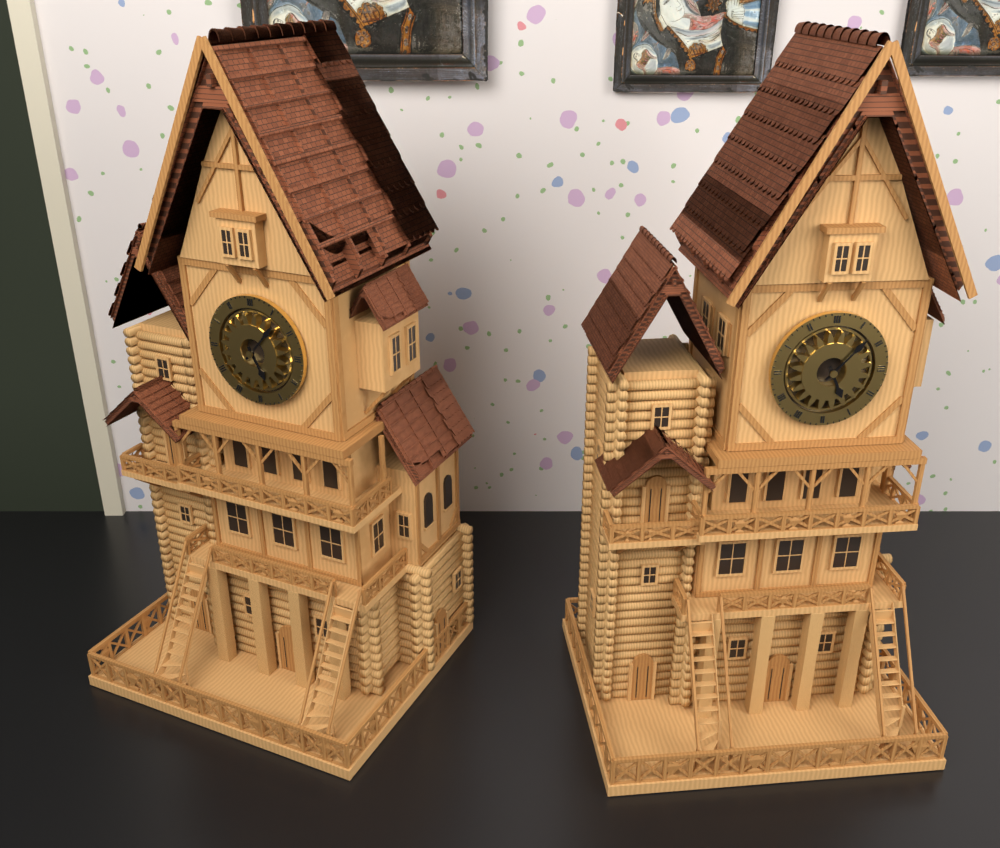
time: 5:07
